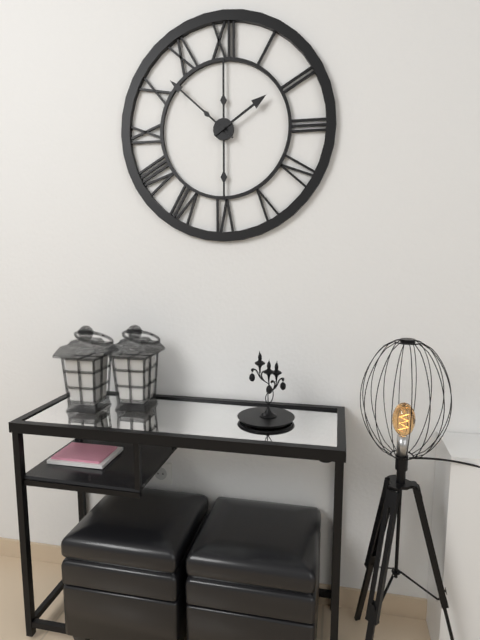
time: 1:52
